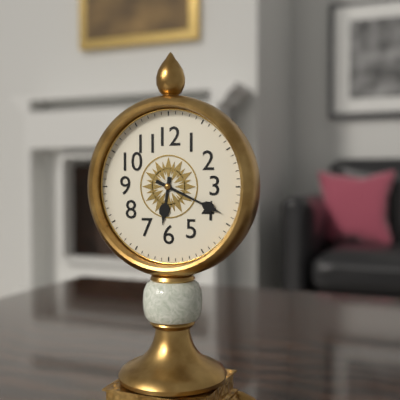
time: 6:19
